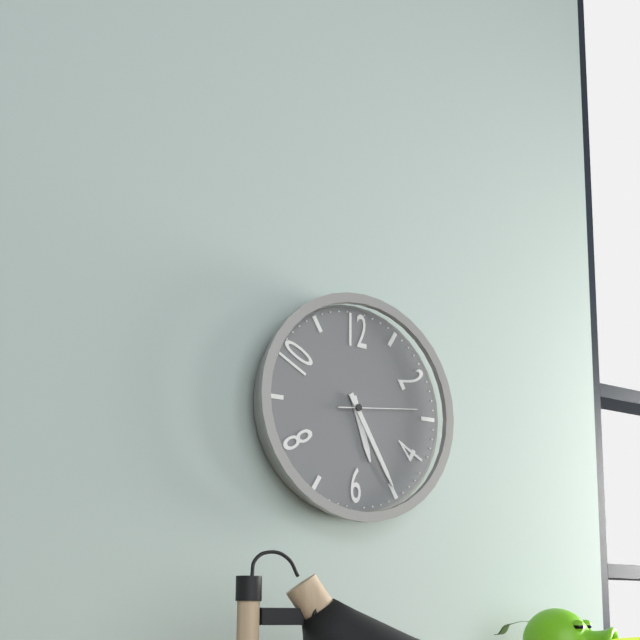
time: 5:25:14
